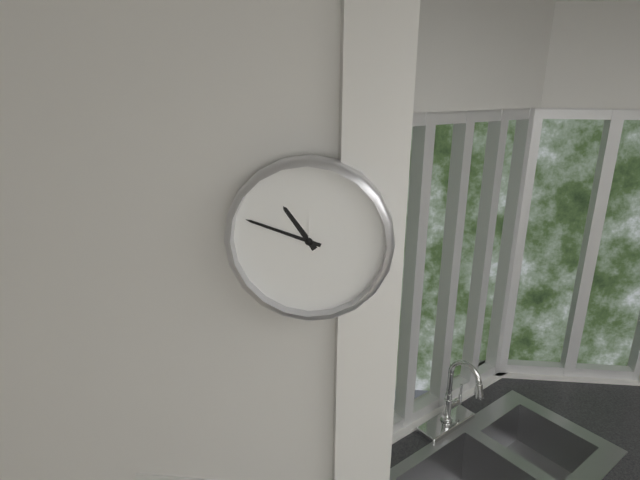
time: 10:48
